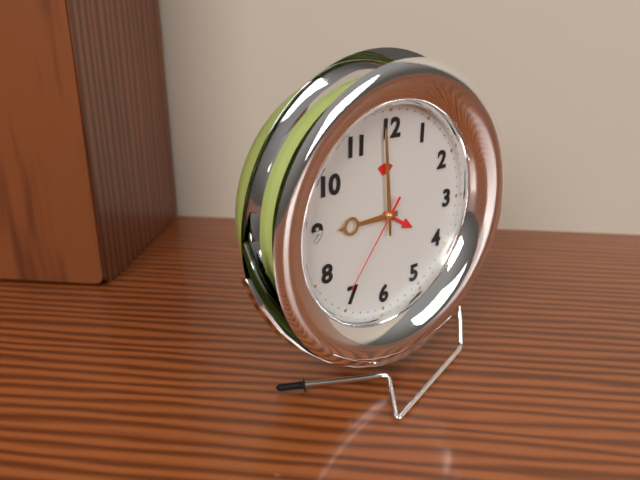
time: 8:59:36
